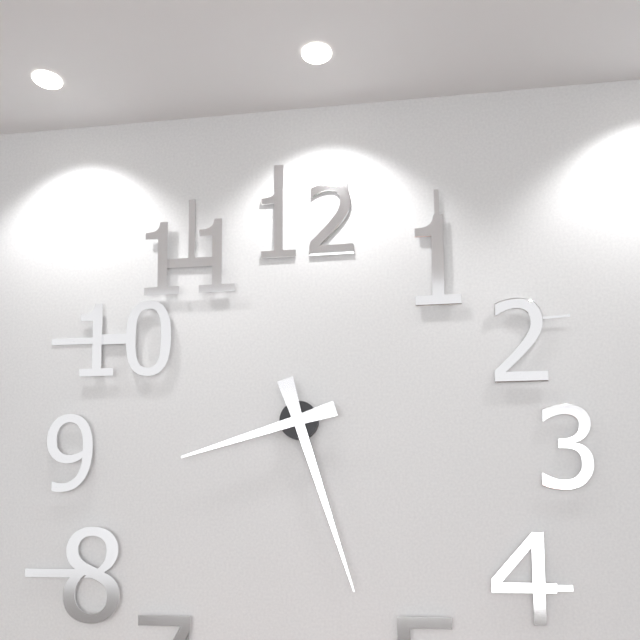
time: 8:27
